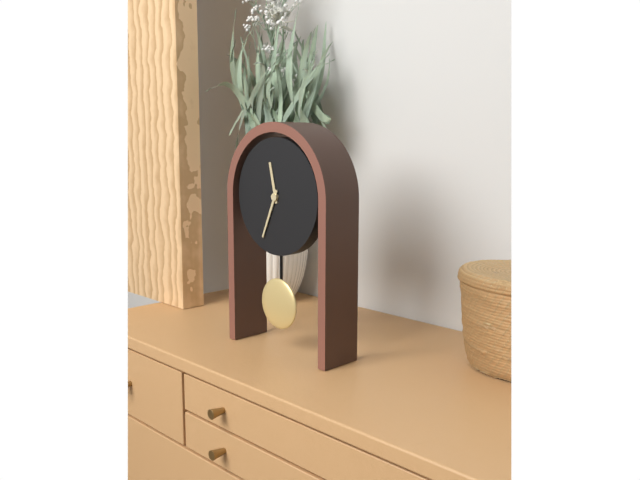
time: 11:34
